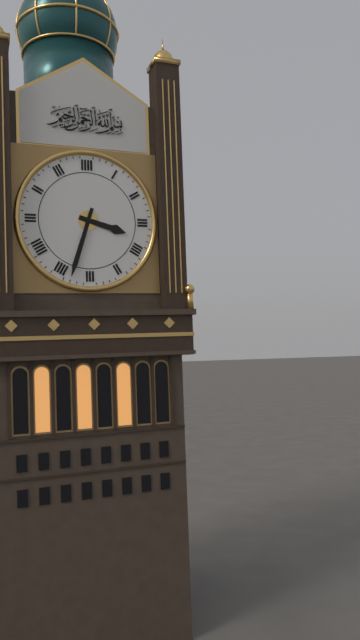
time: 3:33
